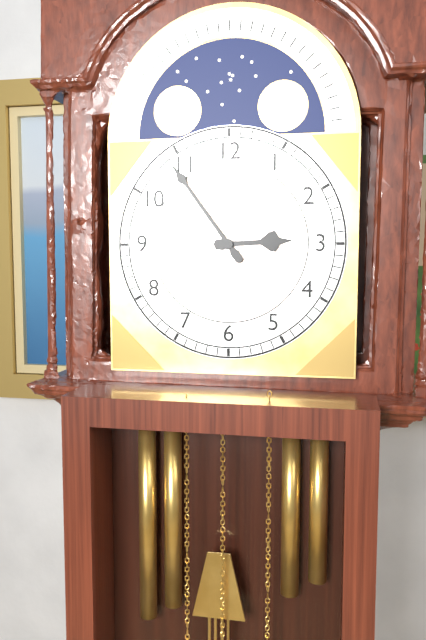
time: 2:54
